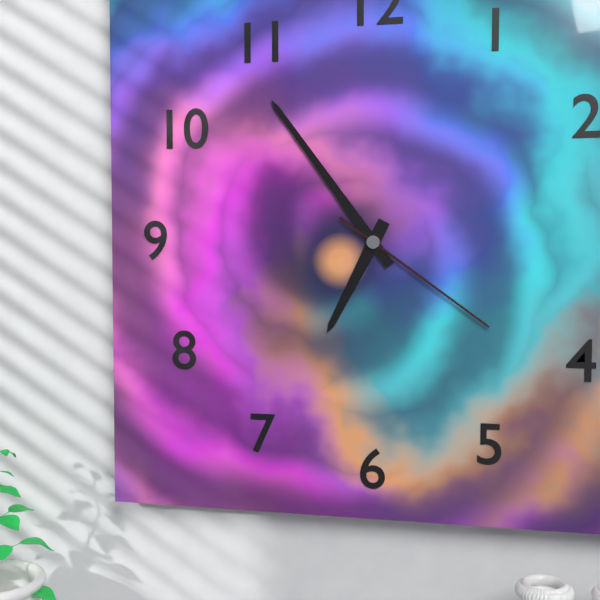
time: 6:54:21
